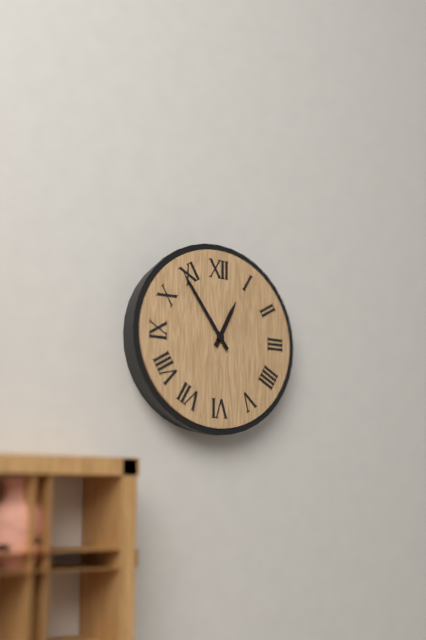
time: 12:54
